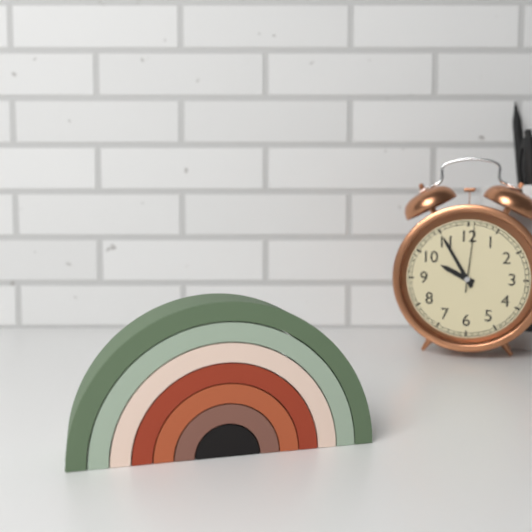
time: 9:55:01
